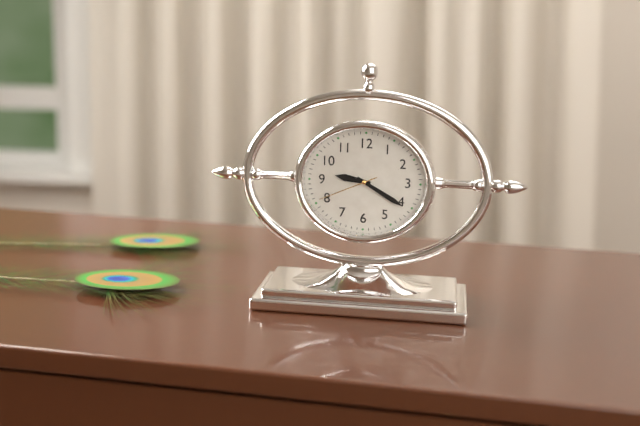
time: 9:20:41
